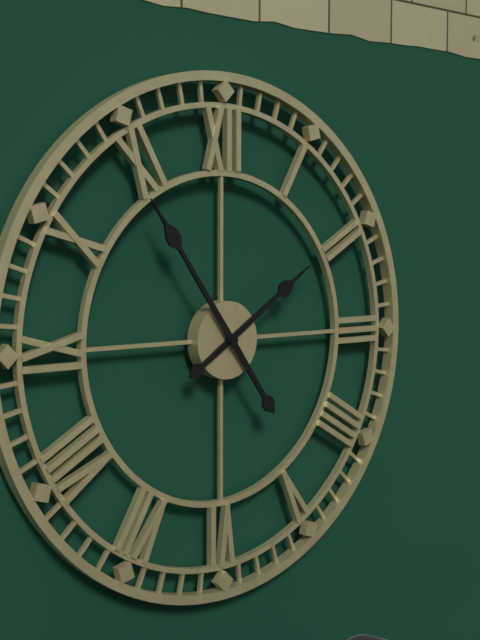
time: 1:54
